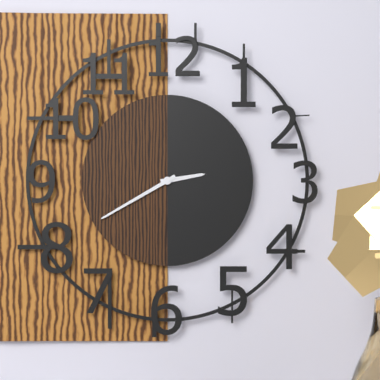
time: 2:40
